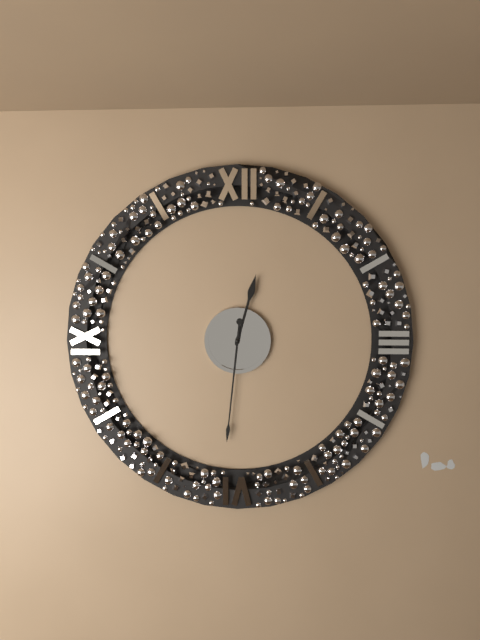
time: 12:31
